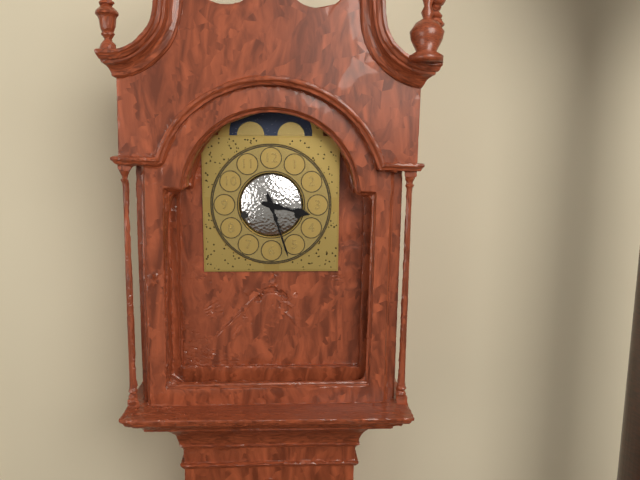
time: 3:27
